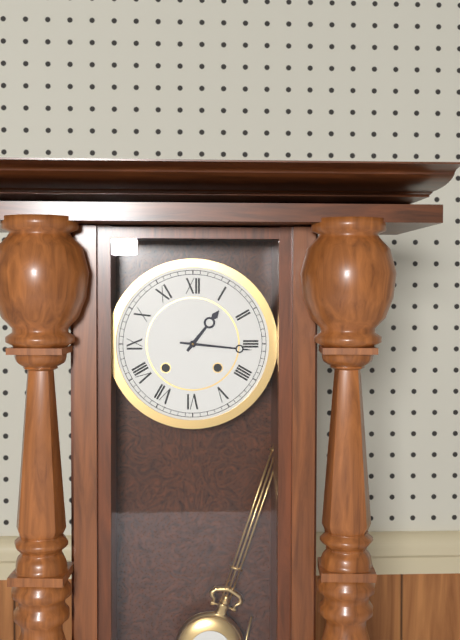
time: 1:16
